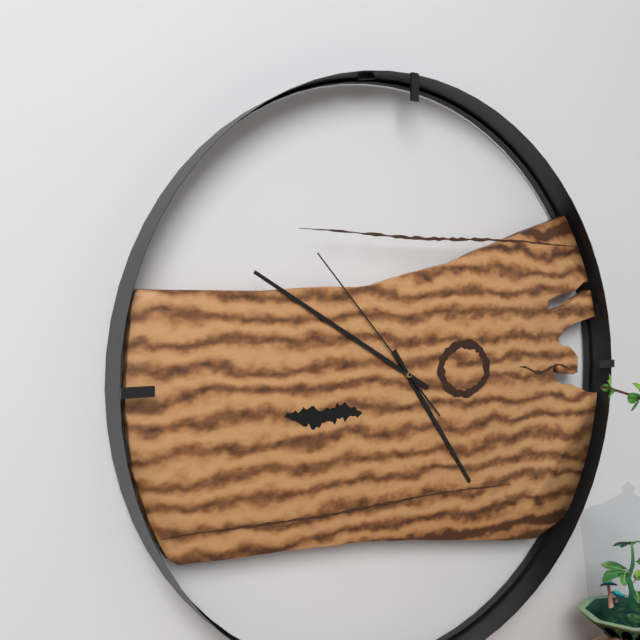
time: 4:50:53
